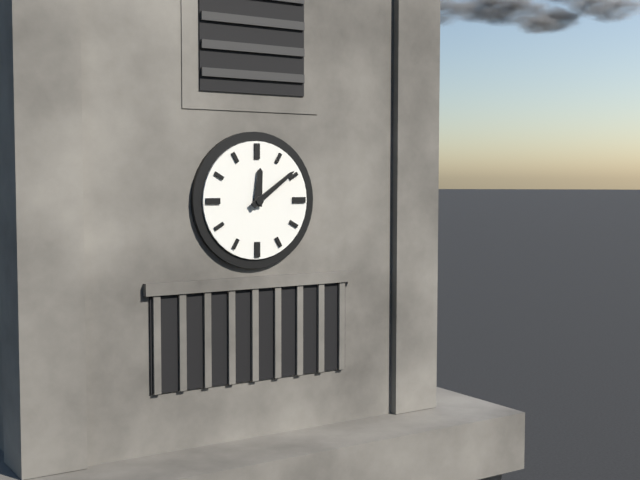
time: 12:09
